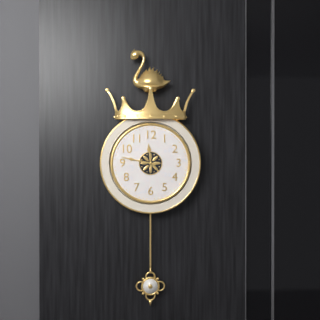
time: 11:47
